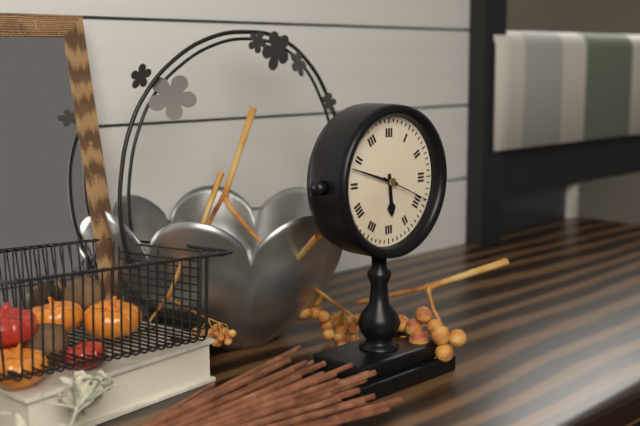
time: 5:48:19
